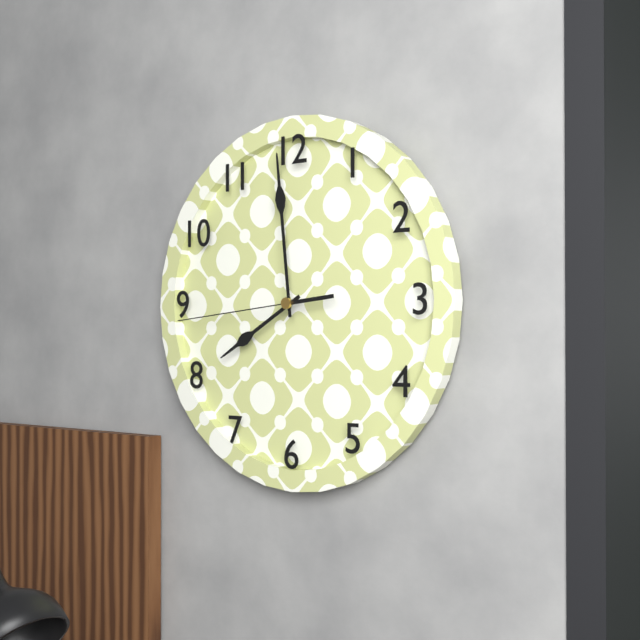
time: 7:59:44
